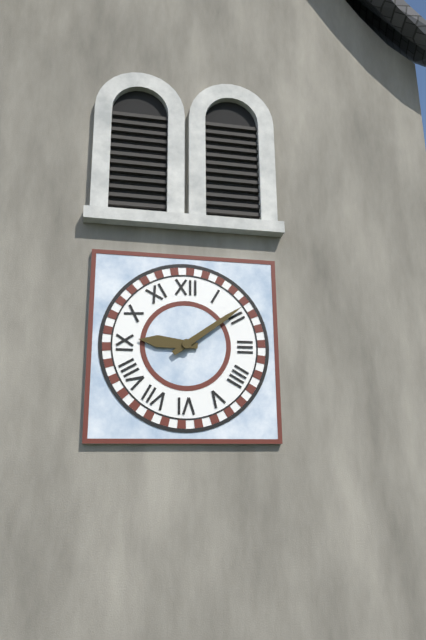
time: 9:09
